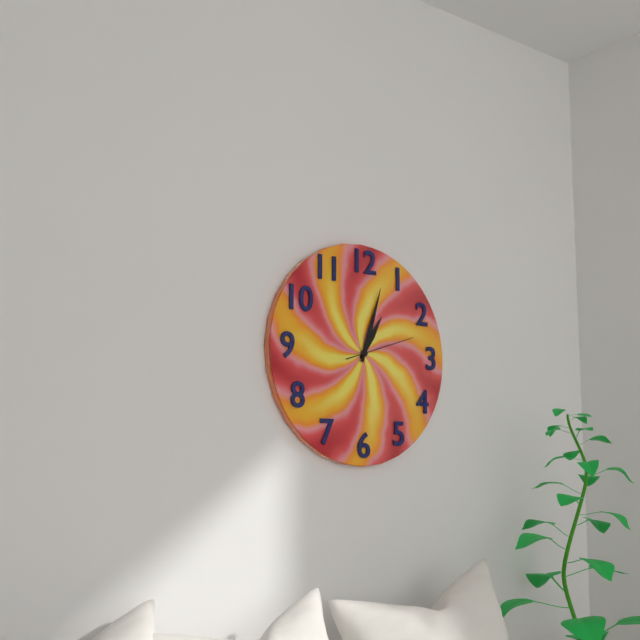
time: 1:03:12
